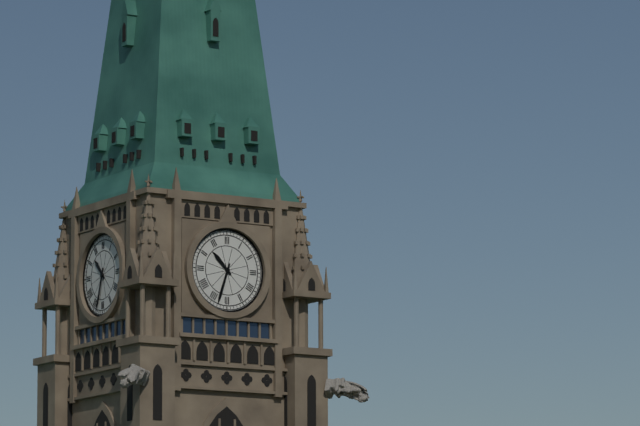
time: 10:33
